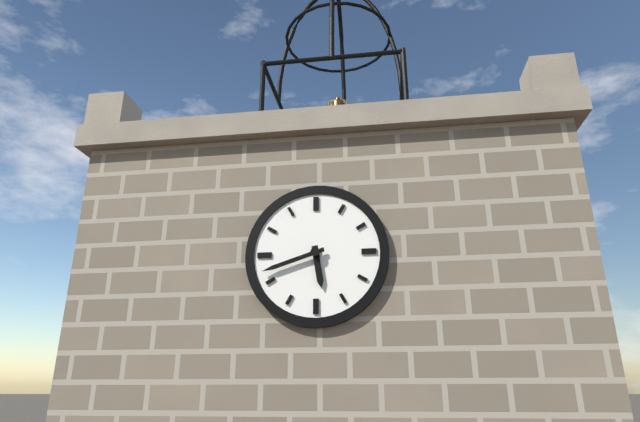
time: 5:42
